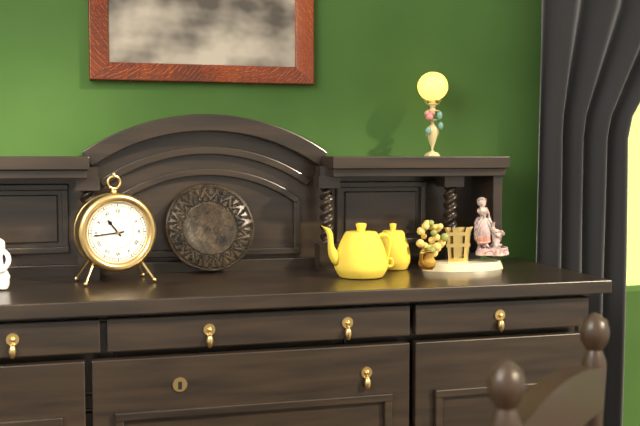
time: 10:44
